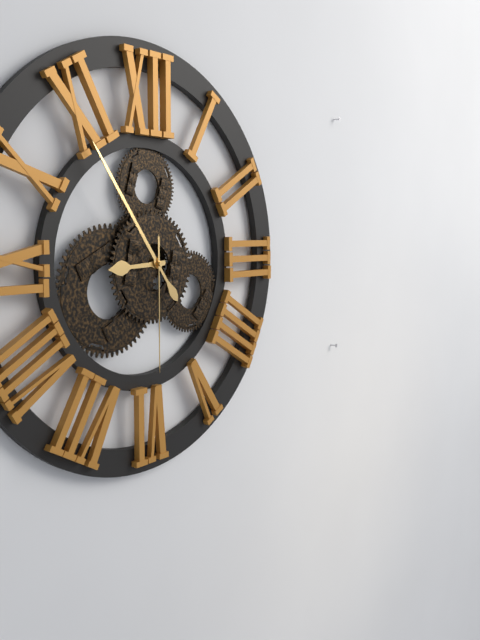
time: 8:54:30
